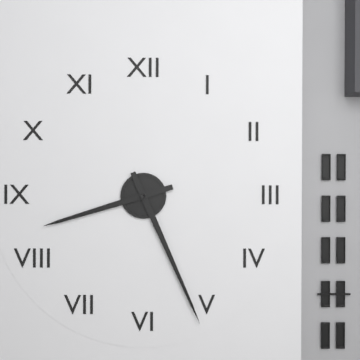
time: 8:26
